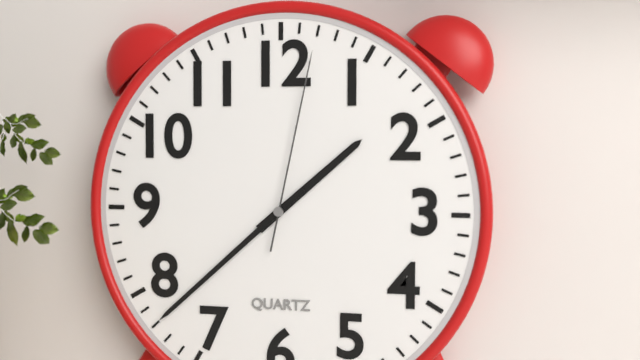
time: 1:38:02
